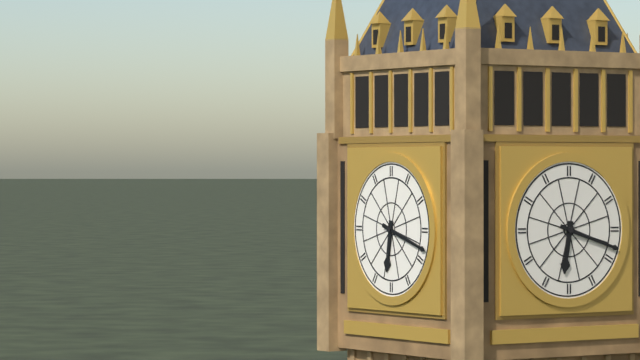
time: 6:18
